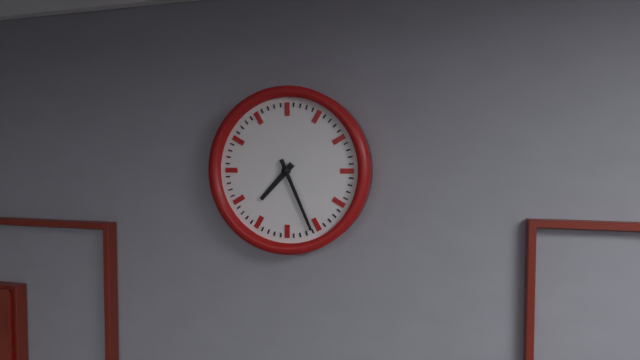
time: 7:26
